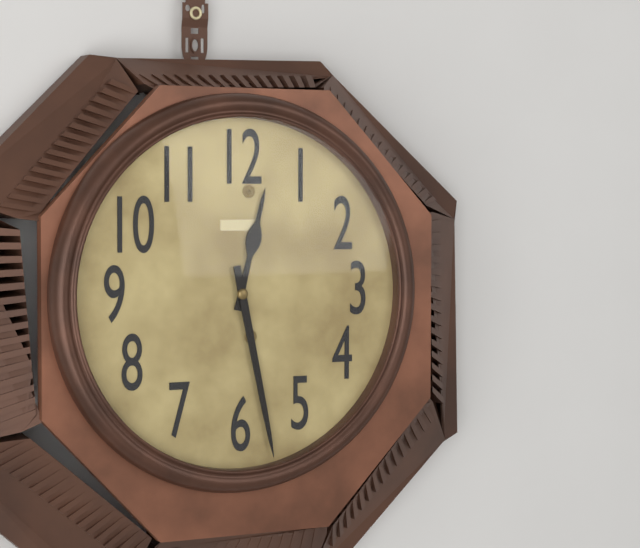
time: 12:28
